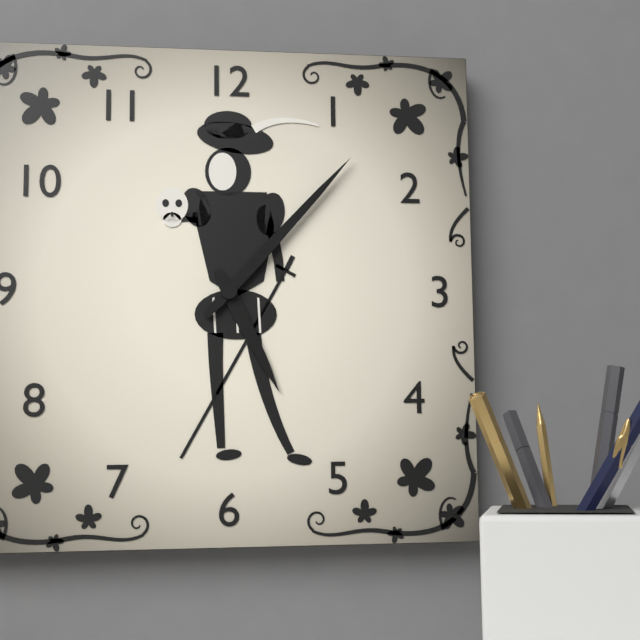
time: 5:07
